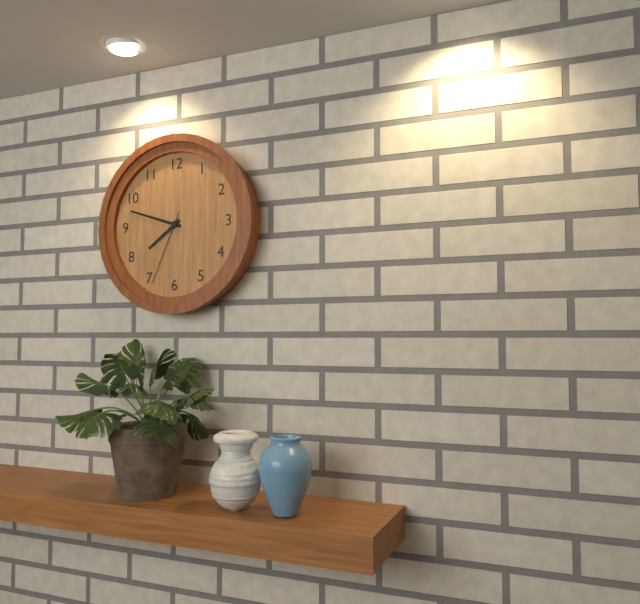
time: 7:48:34
